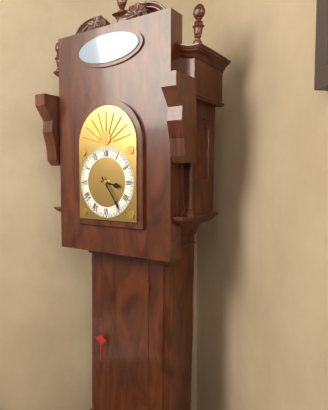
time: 3:24
